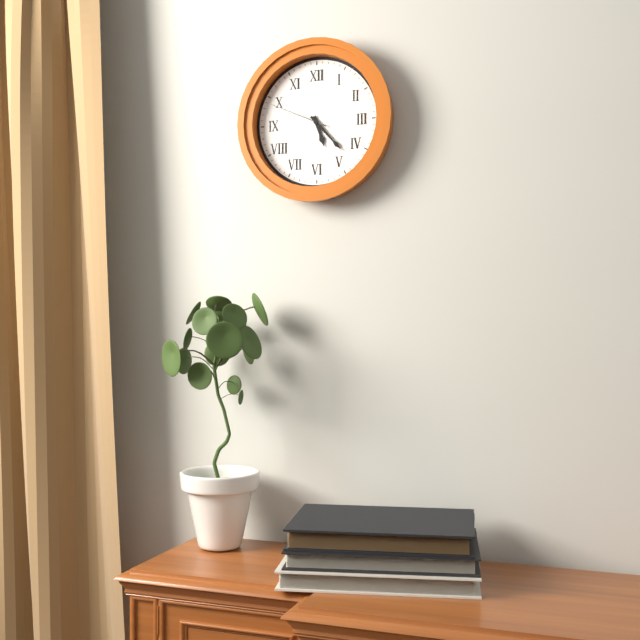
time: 5:23:49
